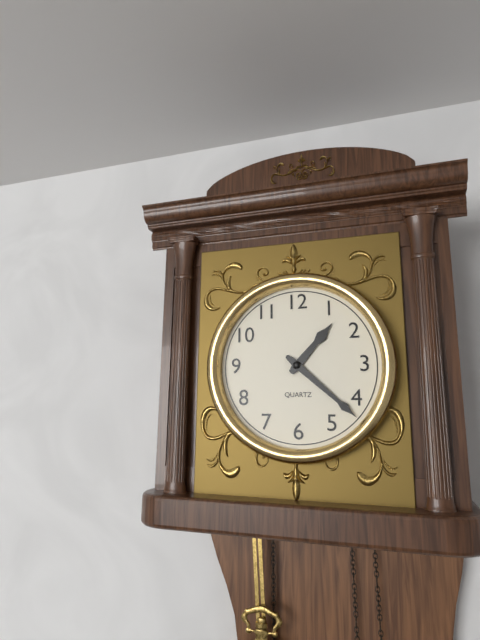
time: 1:22
